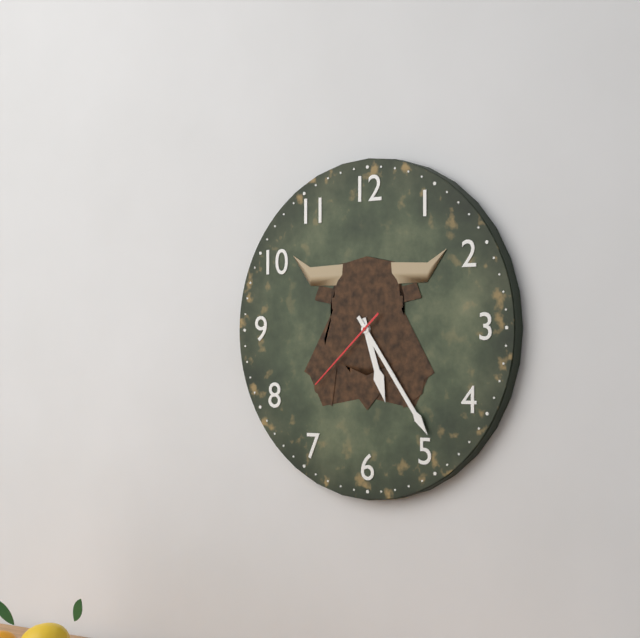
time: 5:24:38
